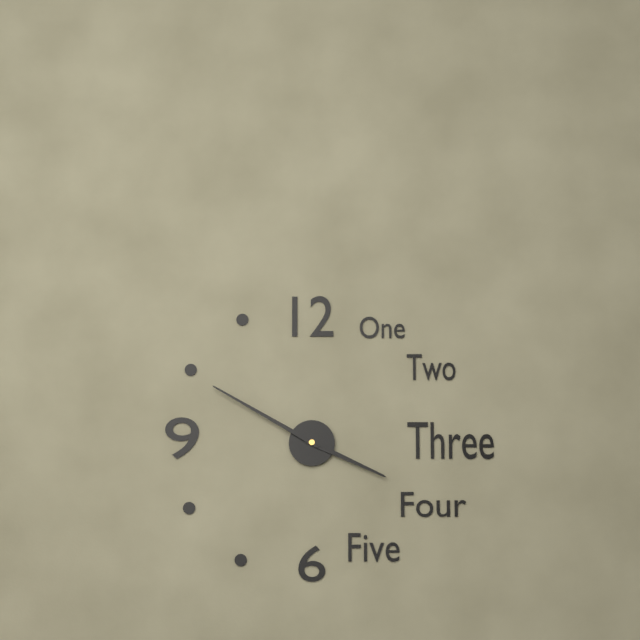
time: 3:50
